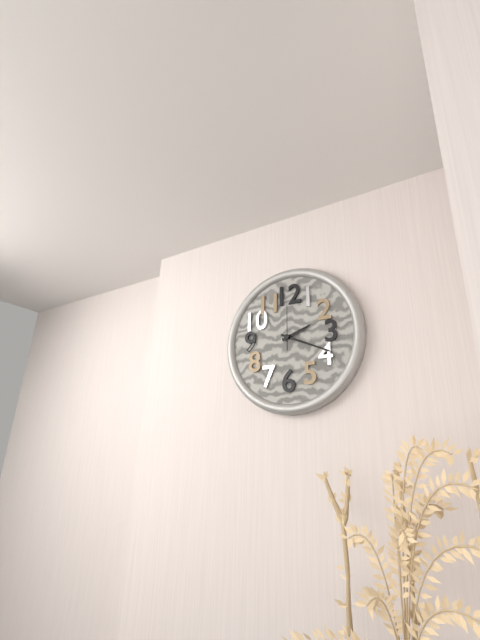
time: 2:19
